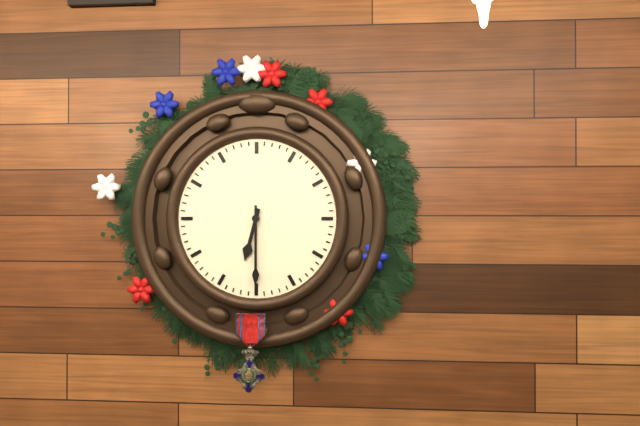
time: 6:30
